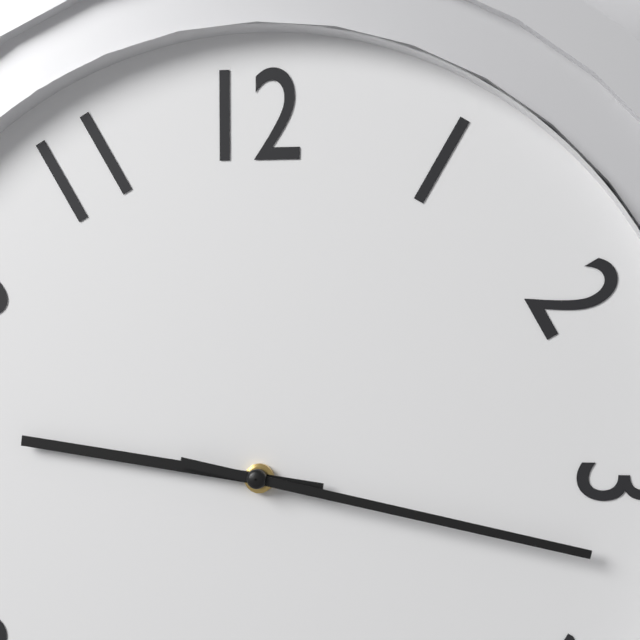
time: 9:17
